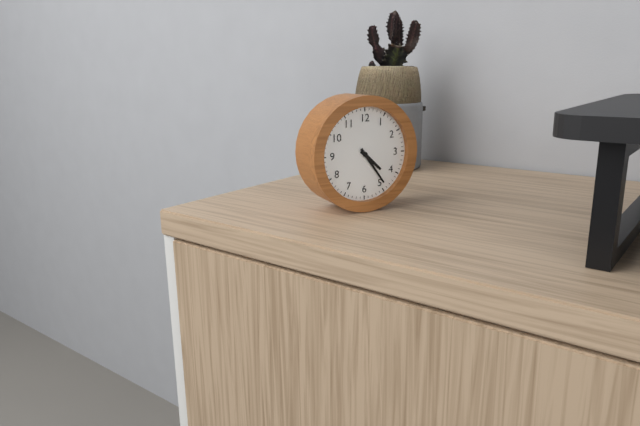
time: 4:24
